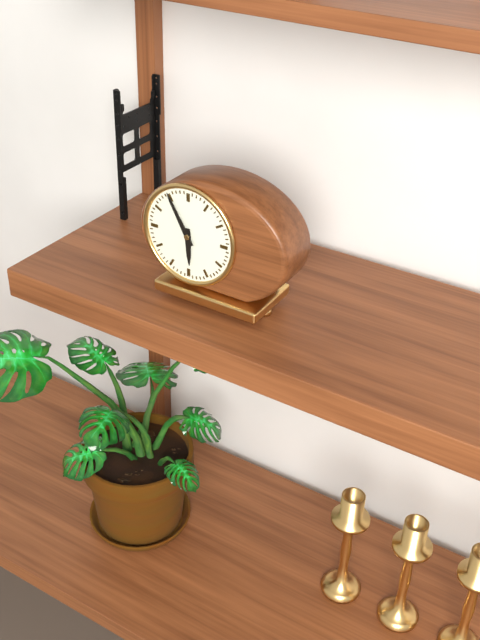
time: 5:55
